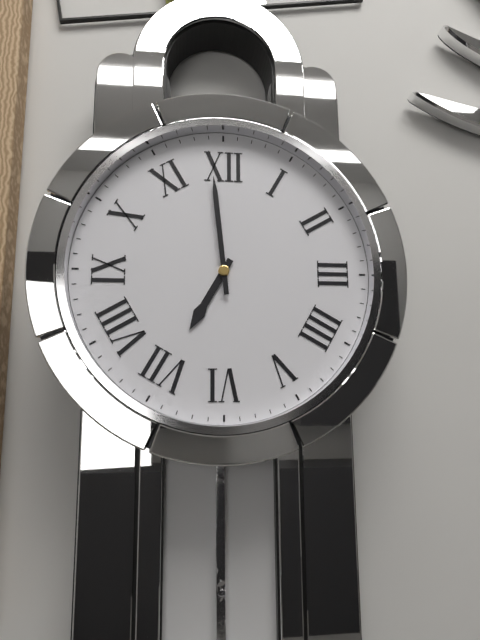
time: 6:59
